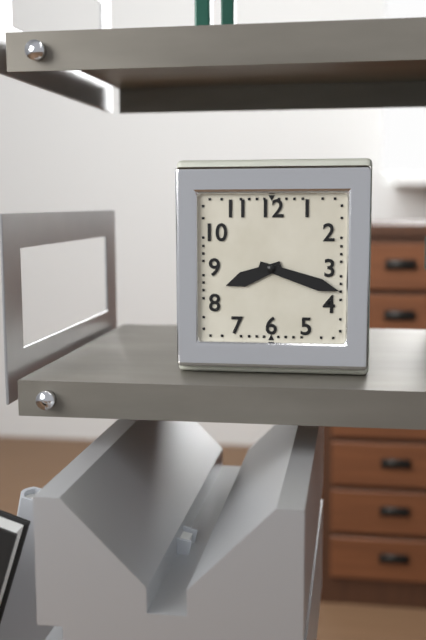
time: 8:18
